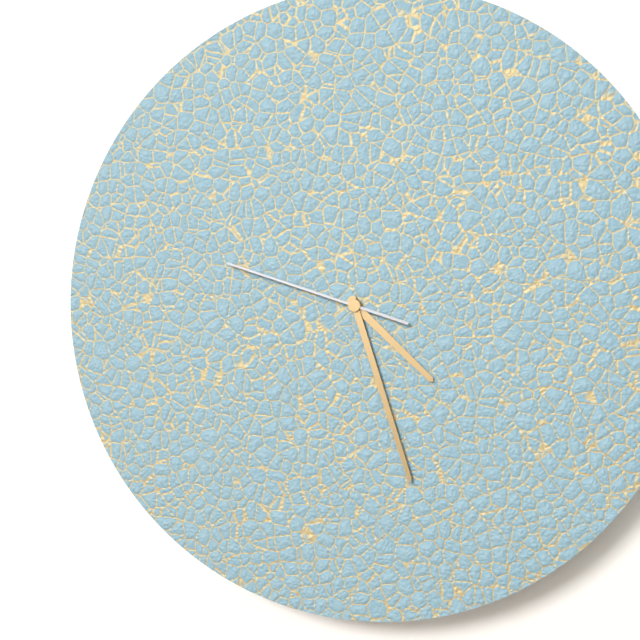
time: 4:27:48
